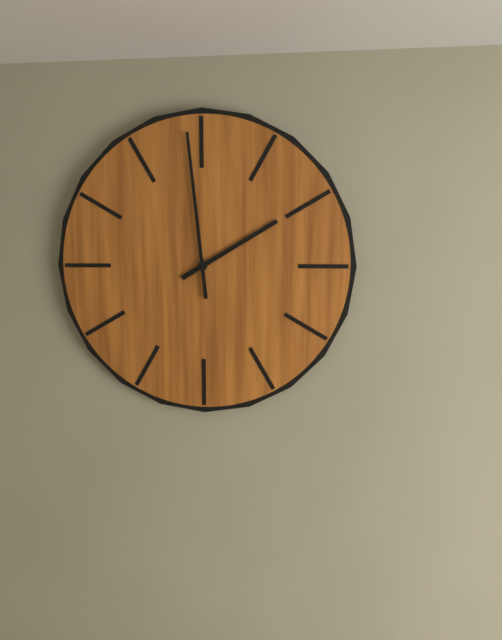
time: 1:59
